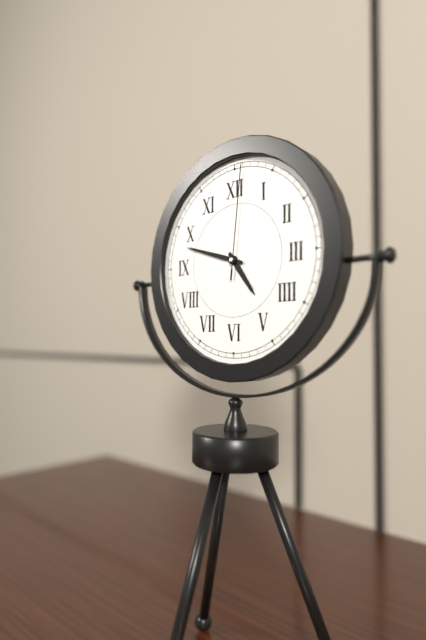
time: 4:48:01
